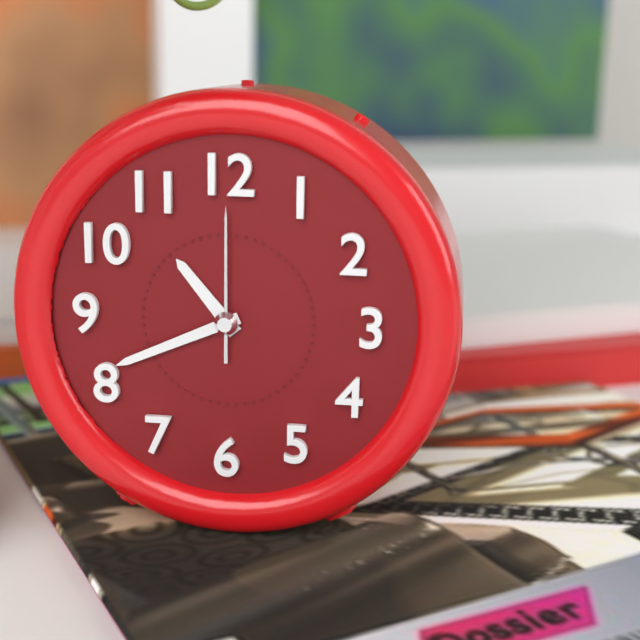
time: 10:41:00
